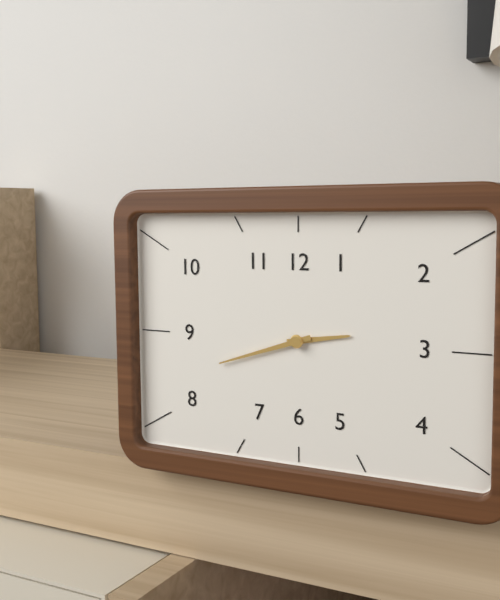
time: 2:42
